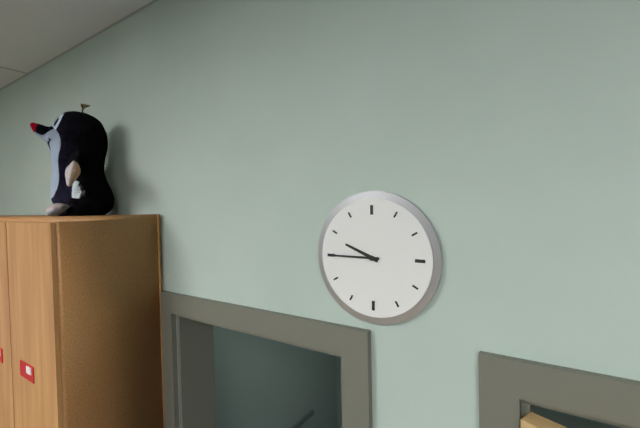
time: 9:45
